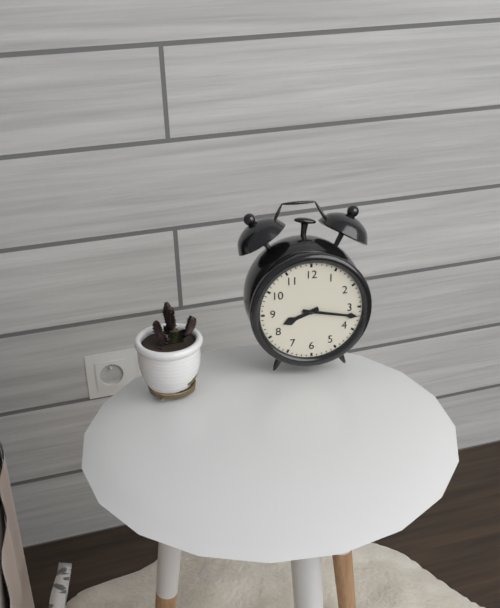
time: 8:17
